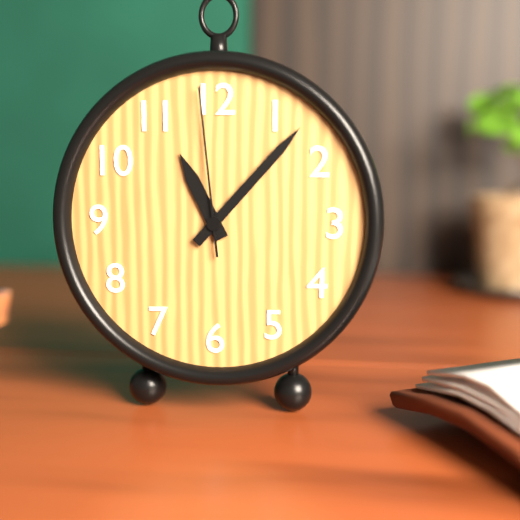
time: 11:07:59
